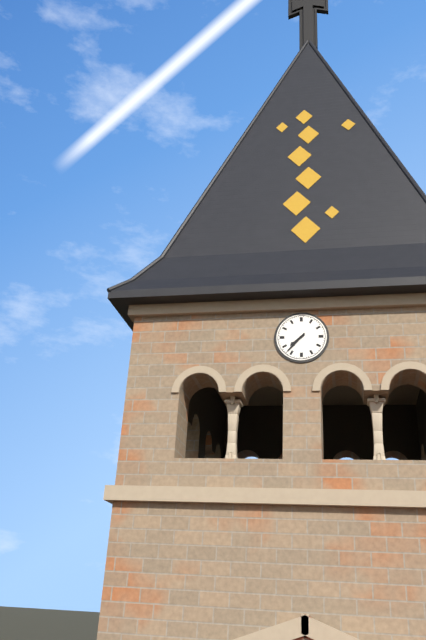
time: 7:37
